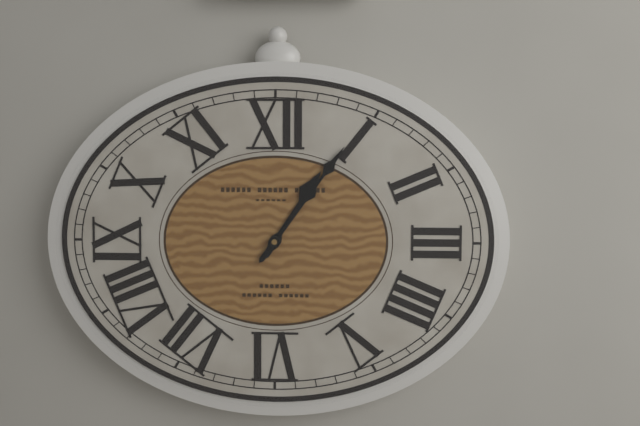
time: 1:06
